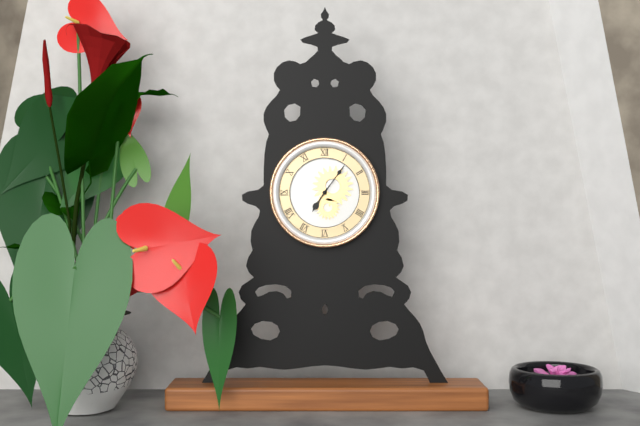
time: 7:06
